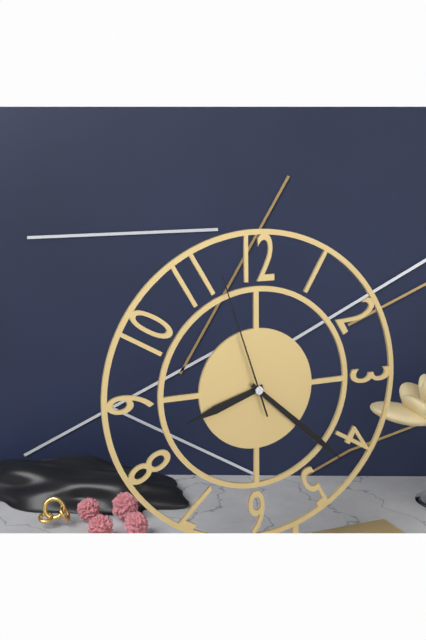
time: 8:22:57
